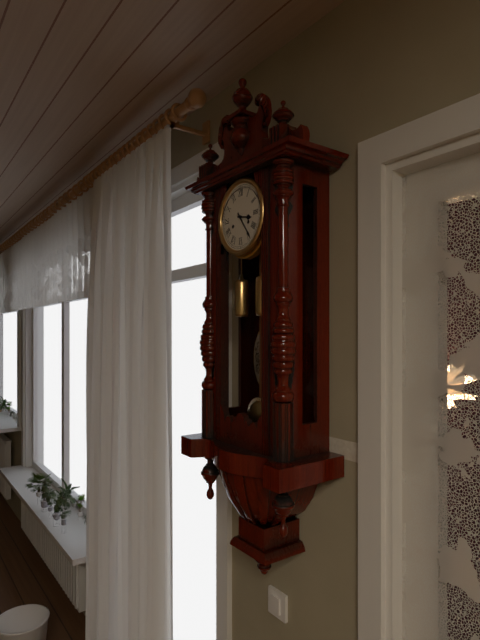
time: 3:24
